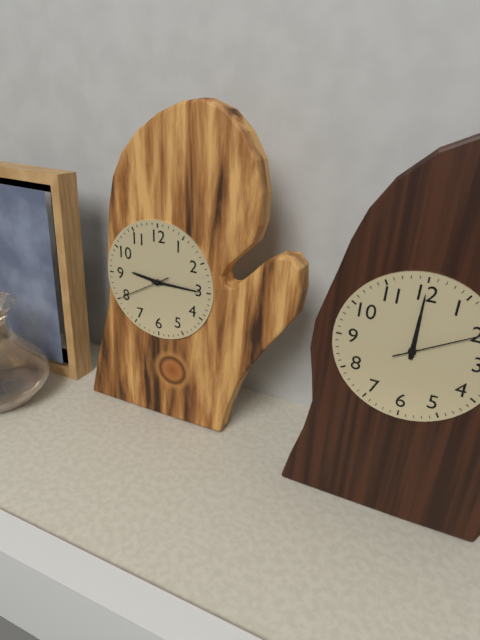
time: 9:15:40
